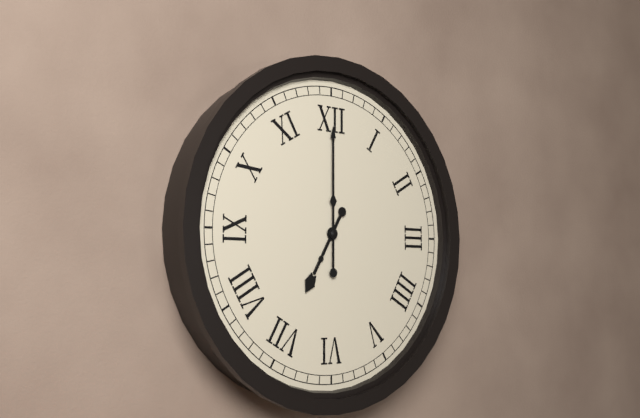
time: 7:00
